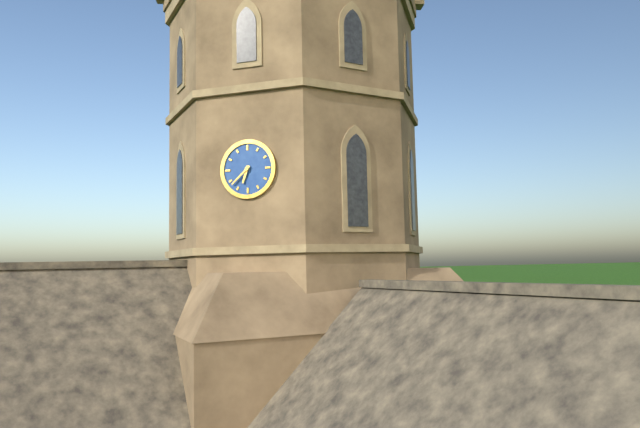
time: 6:38
